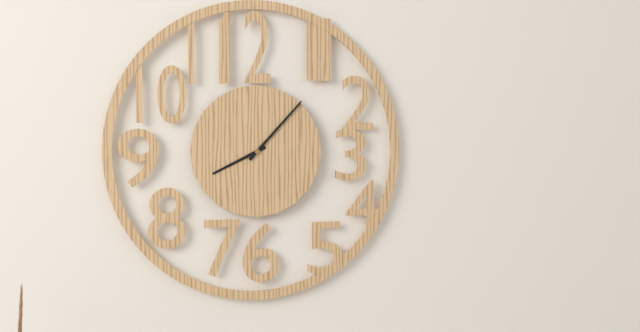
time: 8:07
